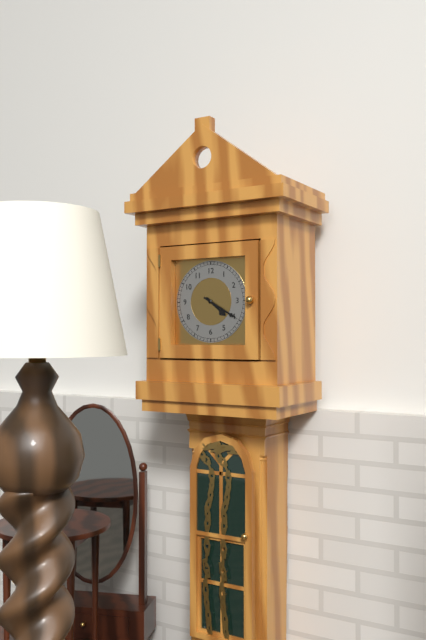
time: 4:20
